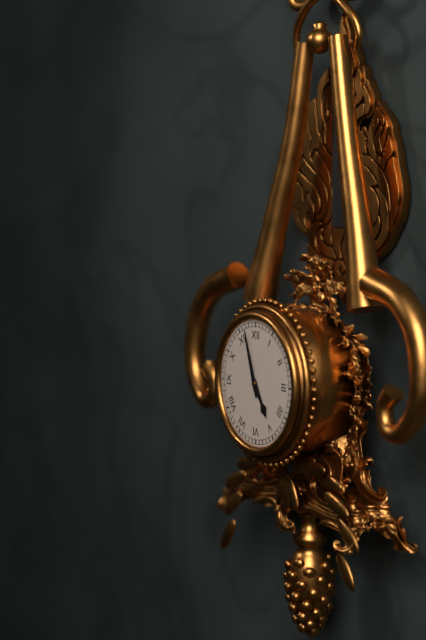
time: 4:57
